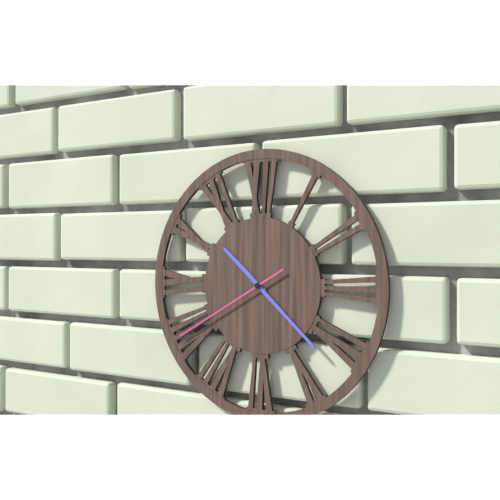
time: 10:22:40
